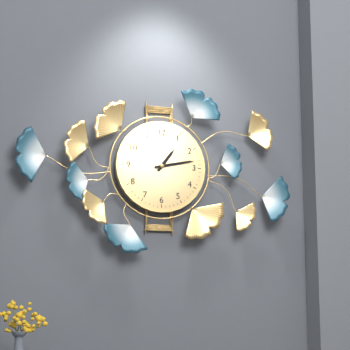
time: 1:13
